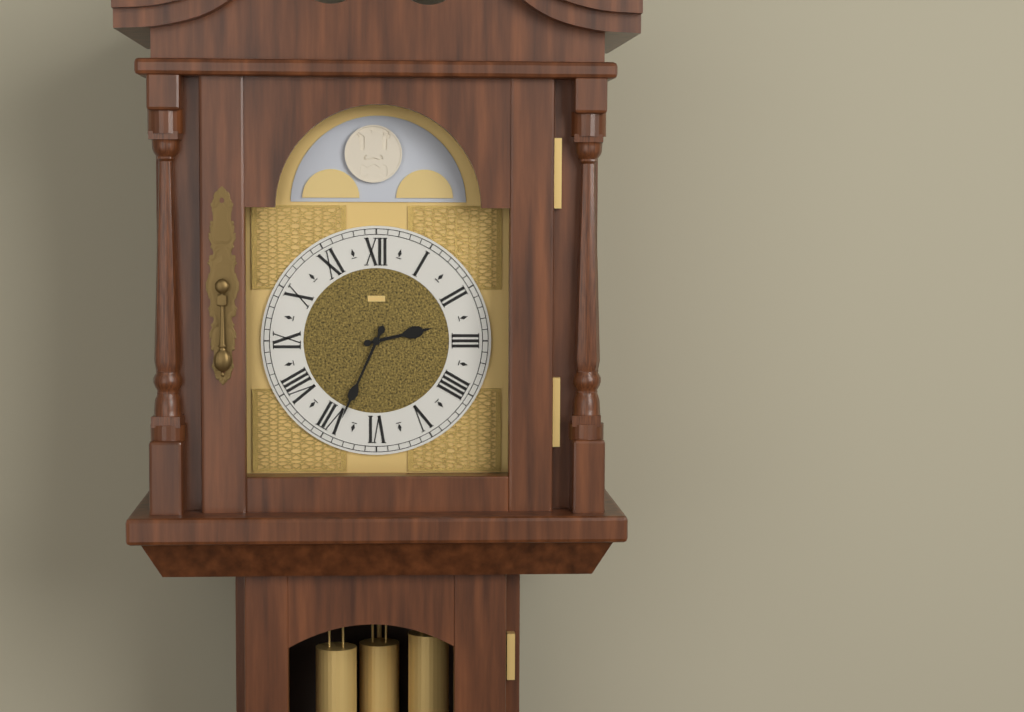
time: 2:34
